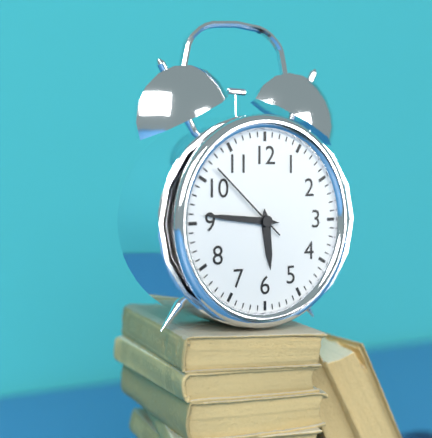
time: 5:46:52
